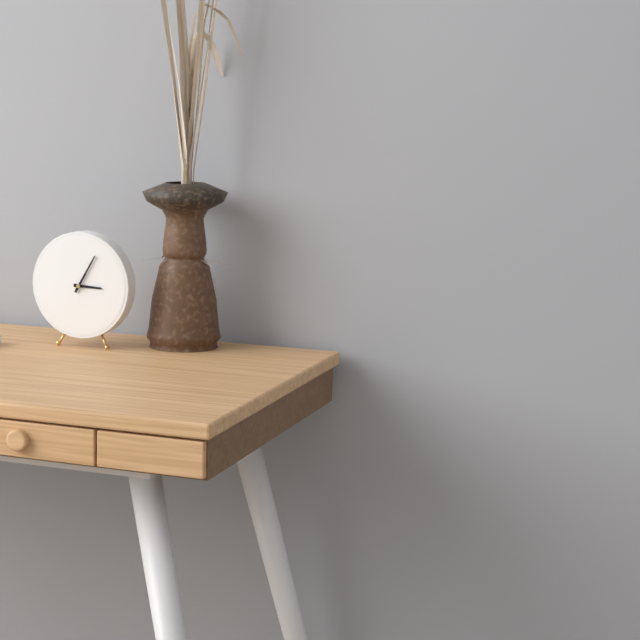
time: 3:05
